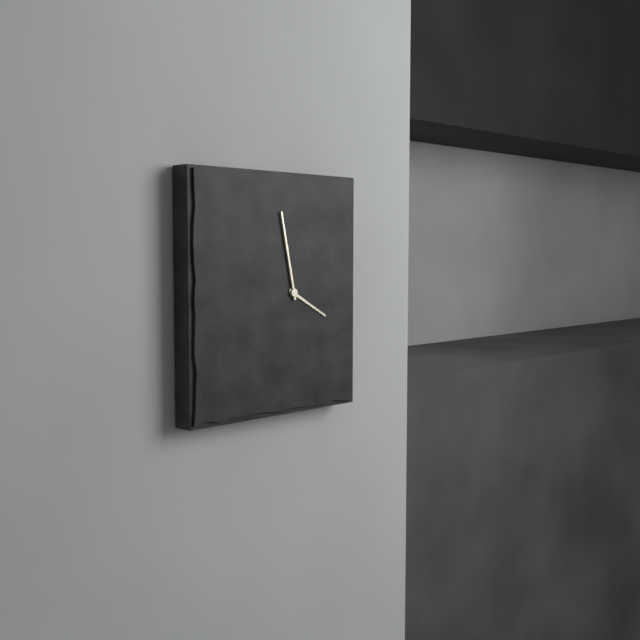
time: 3:58
